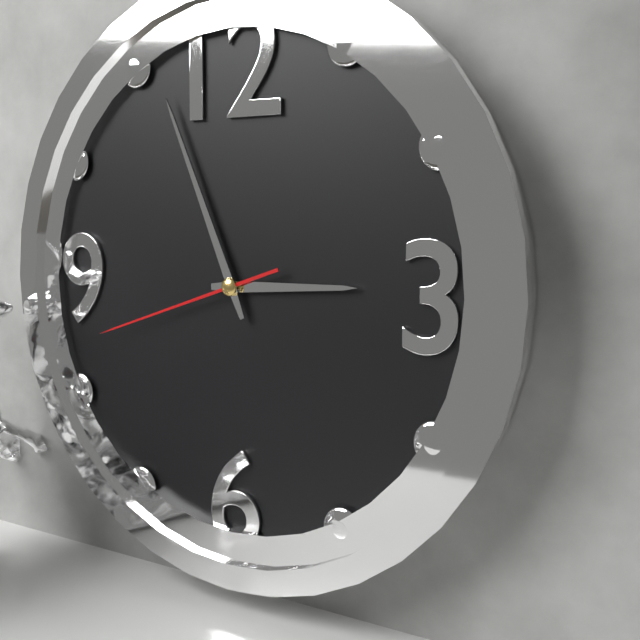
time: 2:56:42
